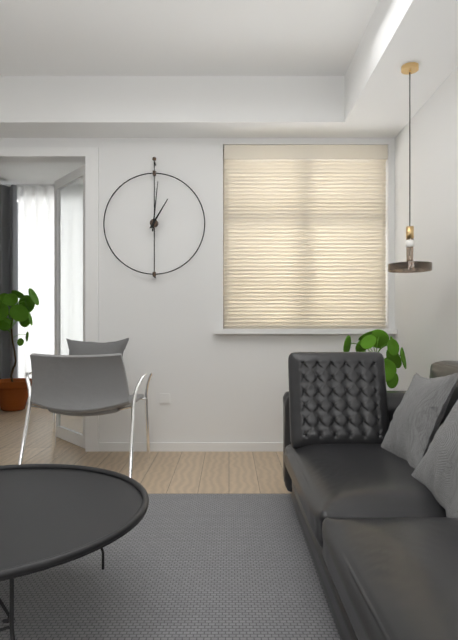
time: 1:01
